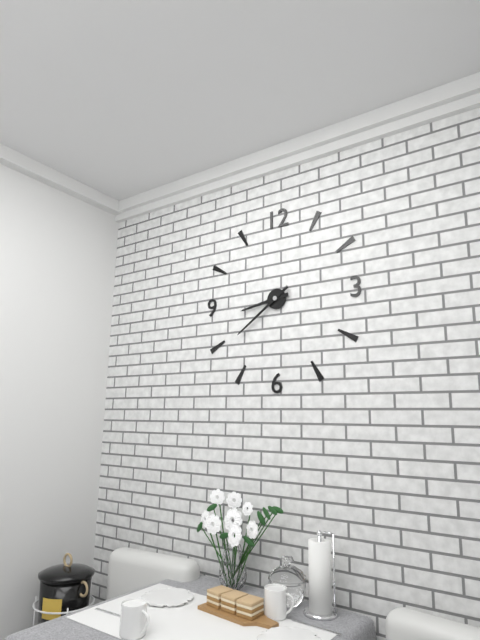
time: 8:39
